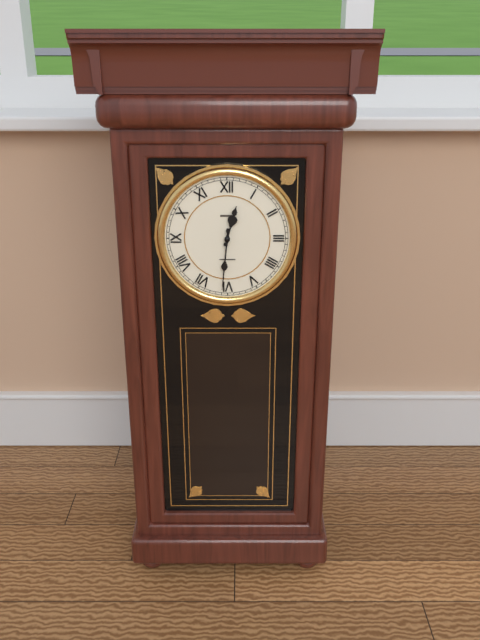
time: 12:31
